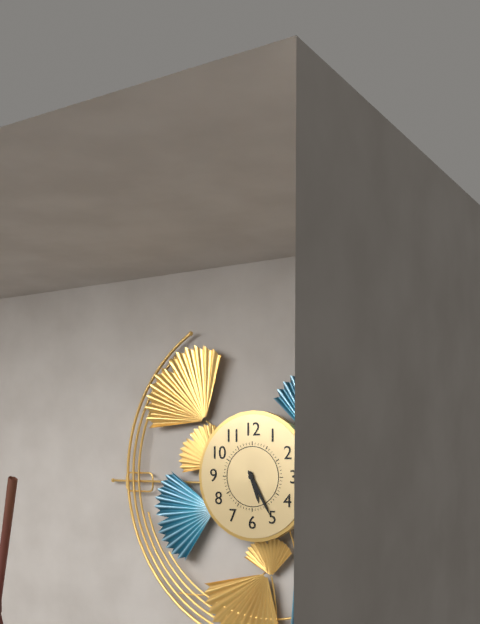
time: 5:25
